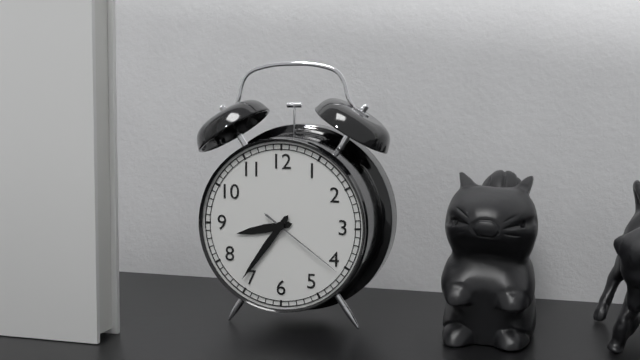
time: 8:36:21
